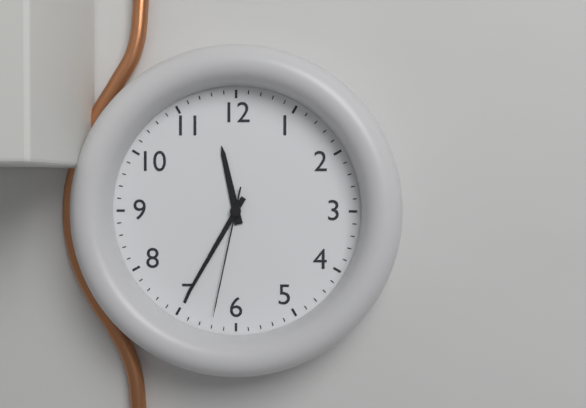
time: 11:35:32
